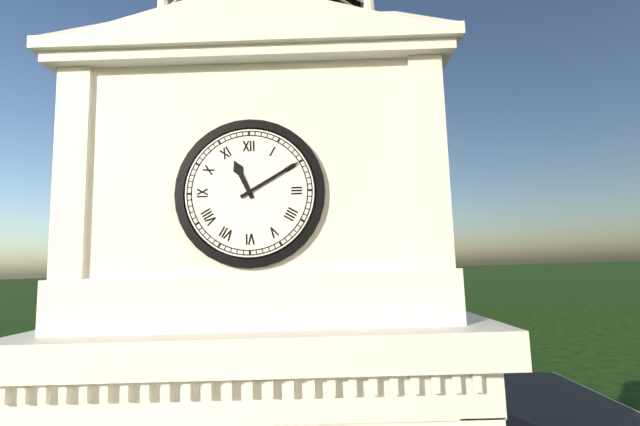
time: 11:10
